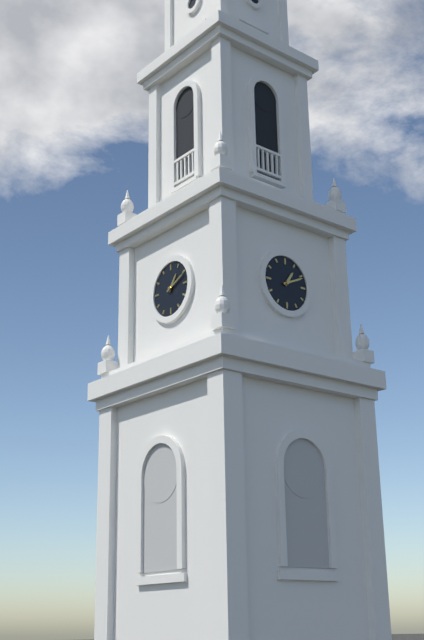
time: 1:11
